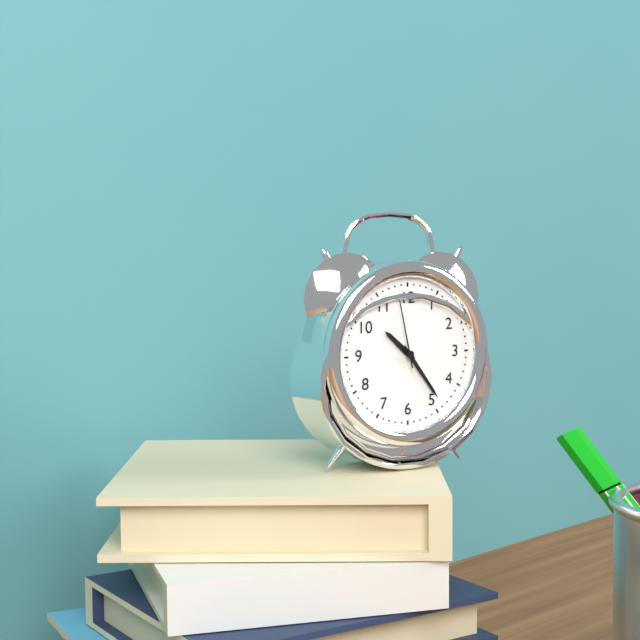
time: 10:24:58
